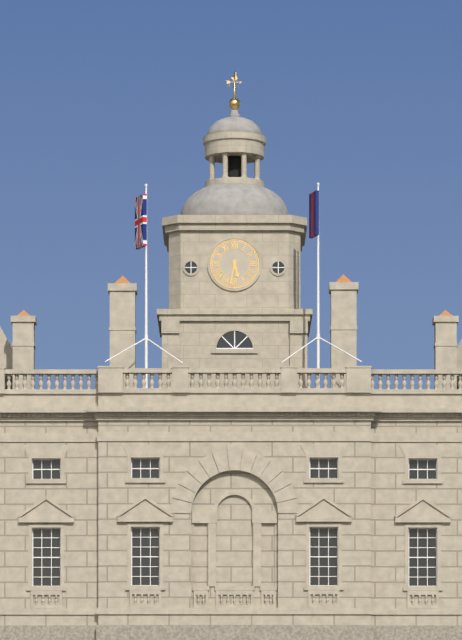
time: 5:32
